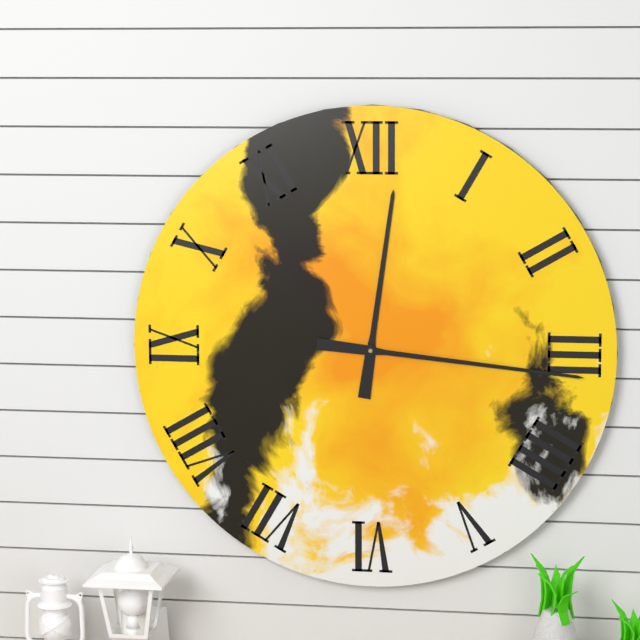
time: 12:16
